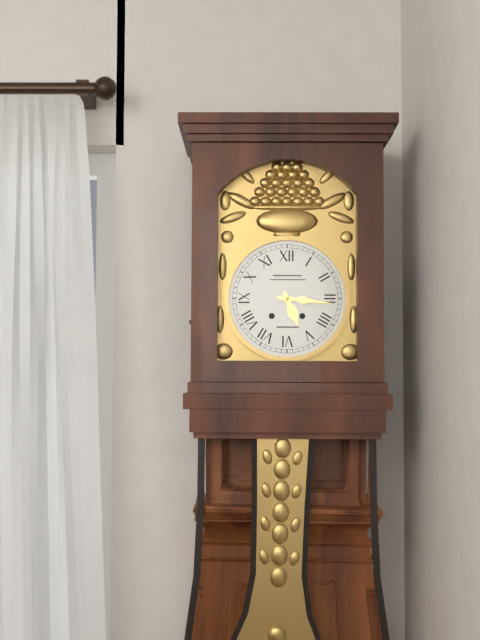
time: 5:16
